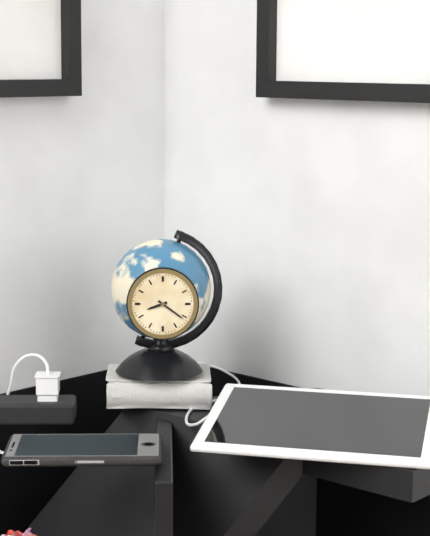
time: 8:21
